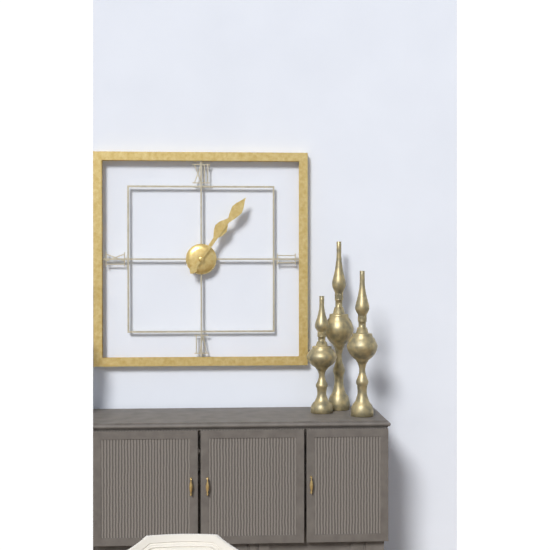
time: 1:06
